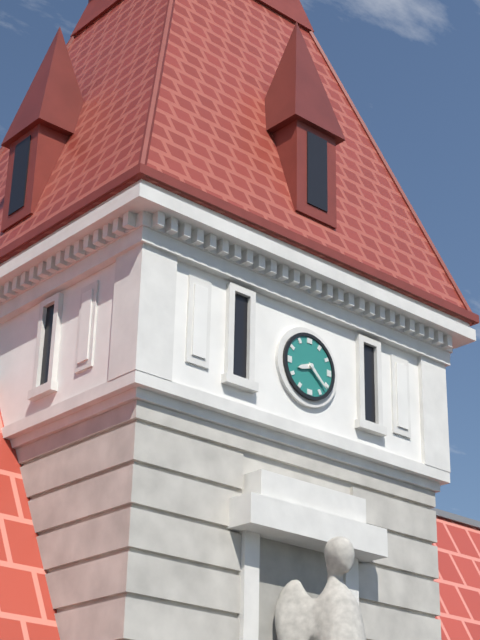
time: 8:22
